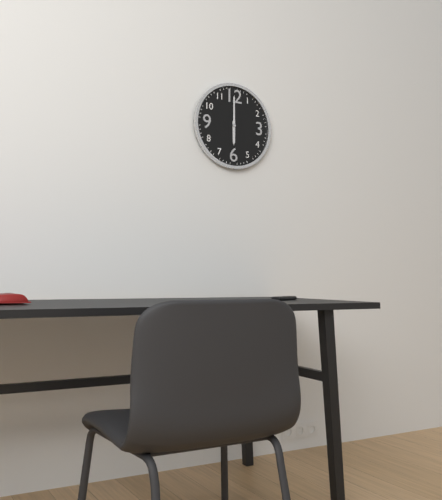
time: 6:00
